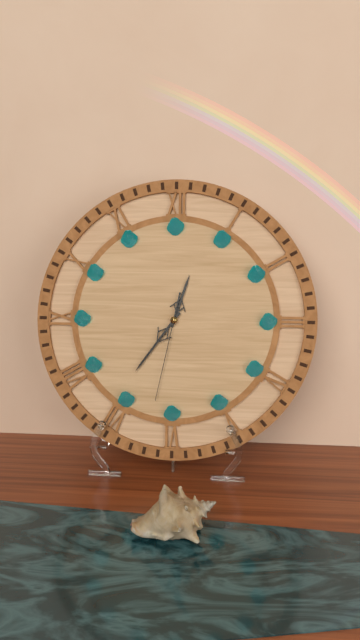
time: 12:36:32
